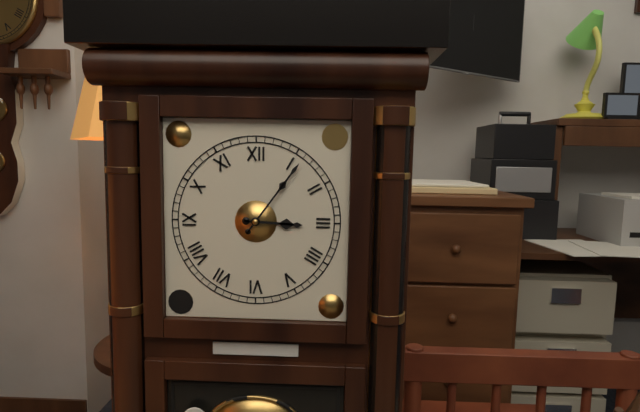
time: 3:06
